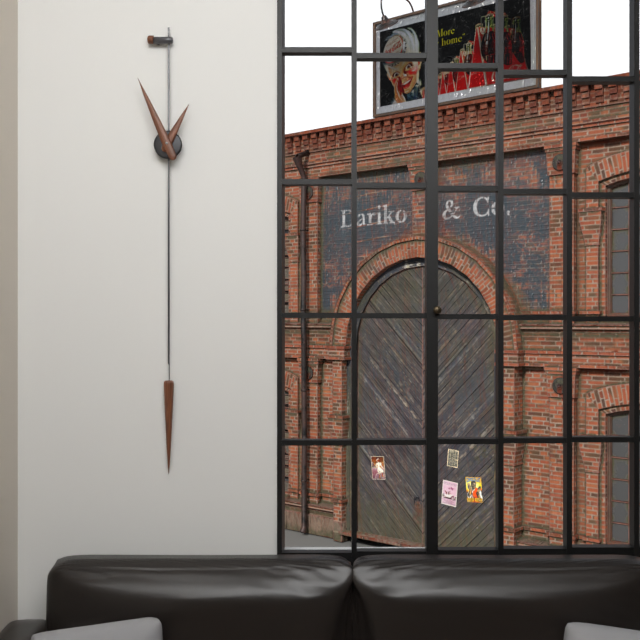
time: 12:56
